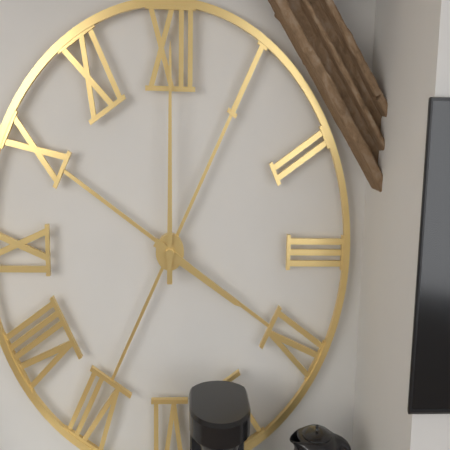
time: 4:00
